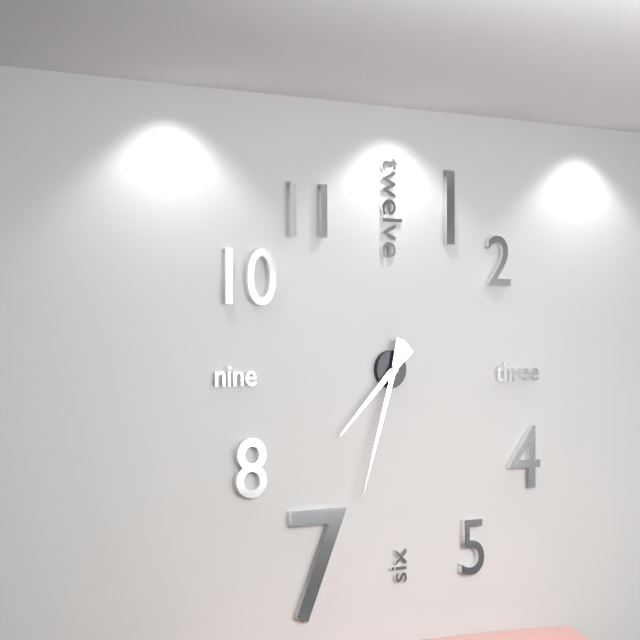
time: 7:33
